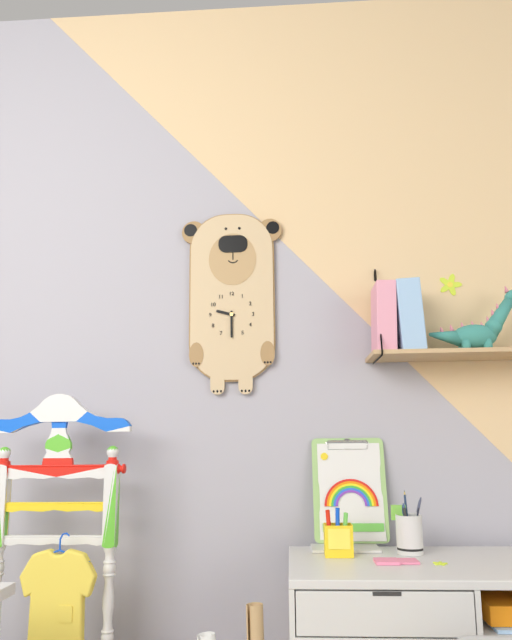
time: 9:30
